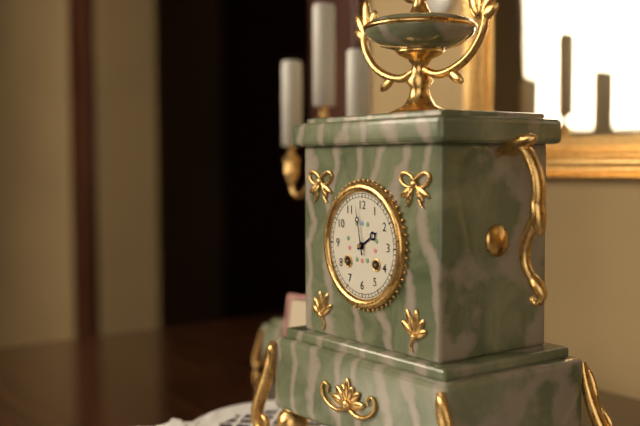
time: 1:58
